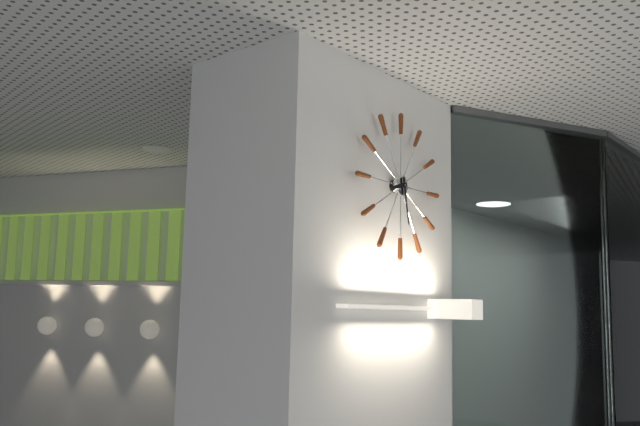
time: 8:28
